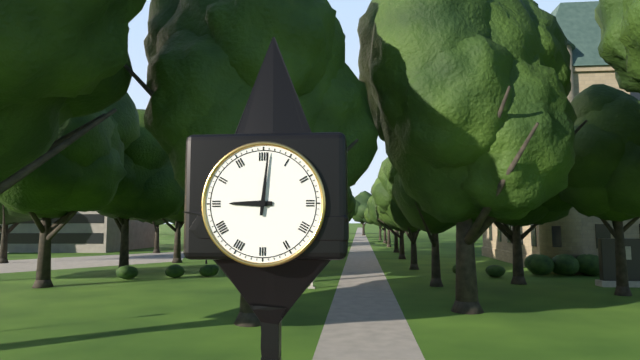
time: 9:01
